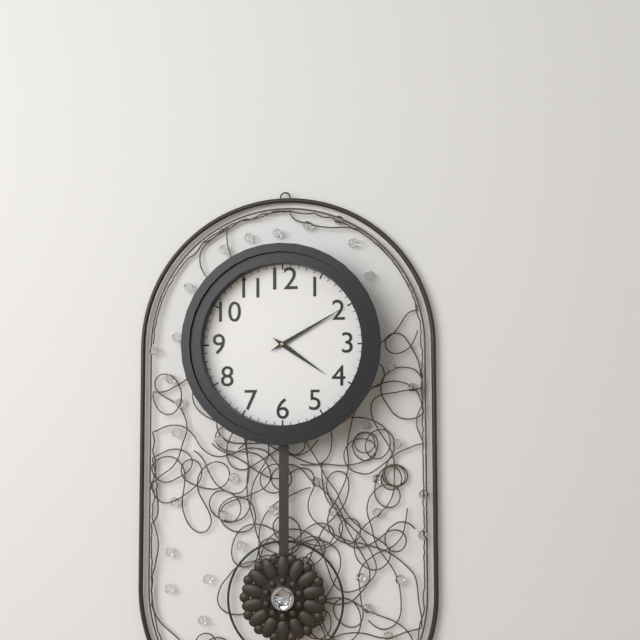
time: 4:10
